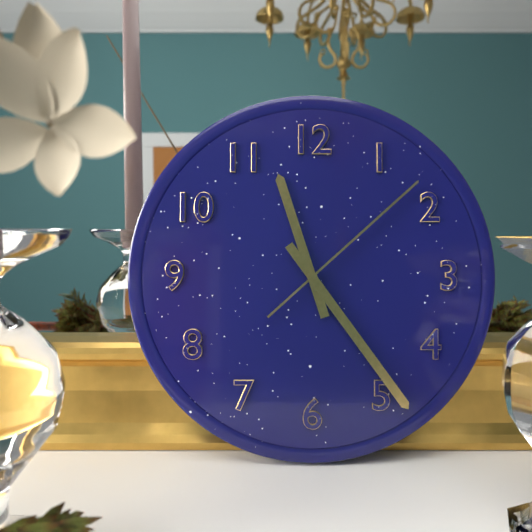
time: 11:24:08
